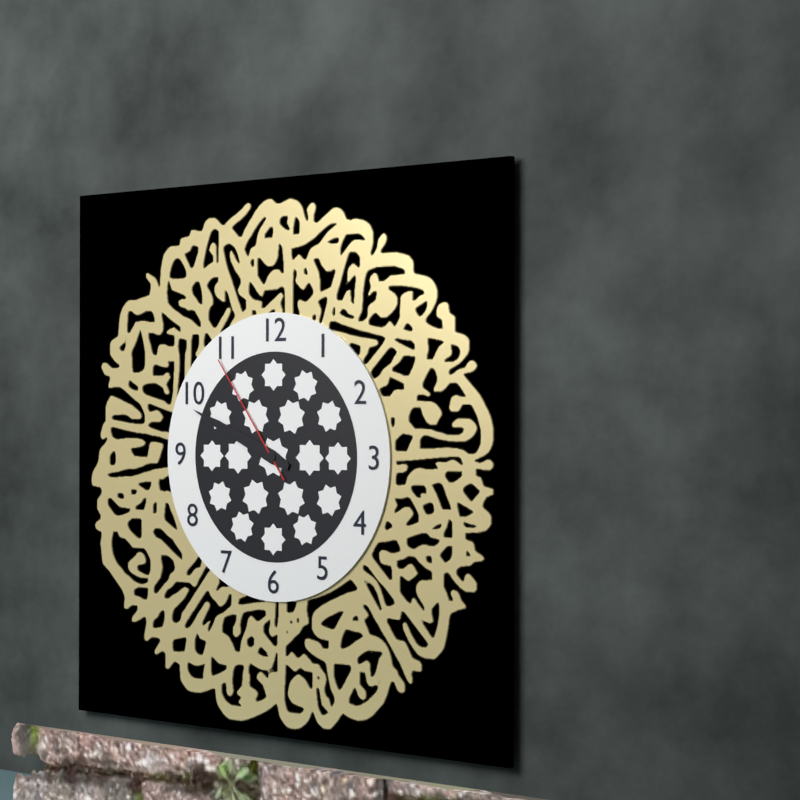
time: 9:49:54
